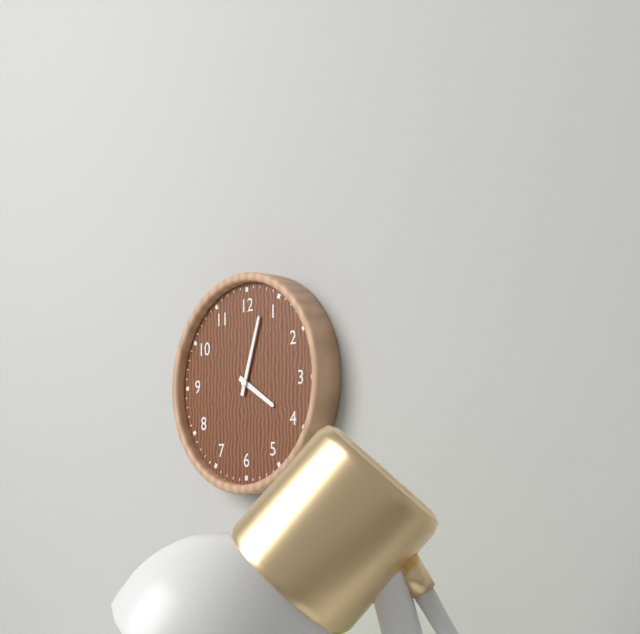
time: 4:03
